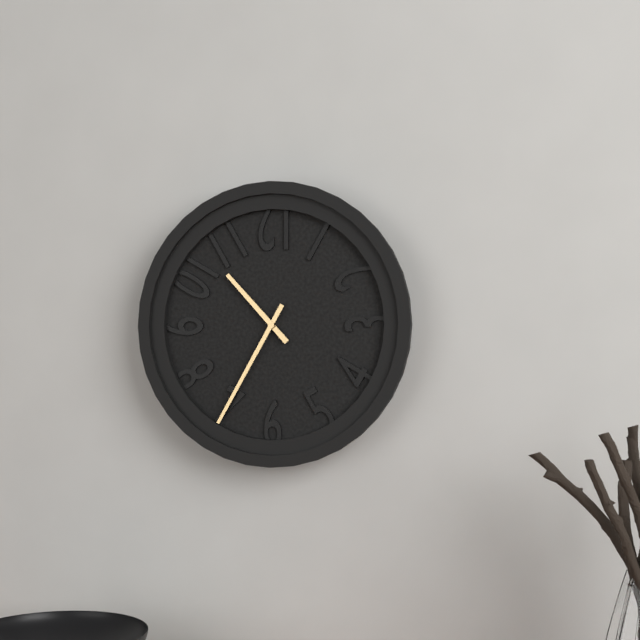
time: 10:35
